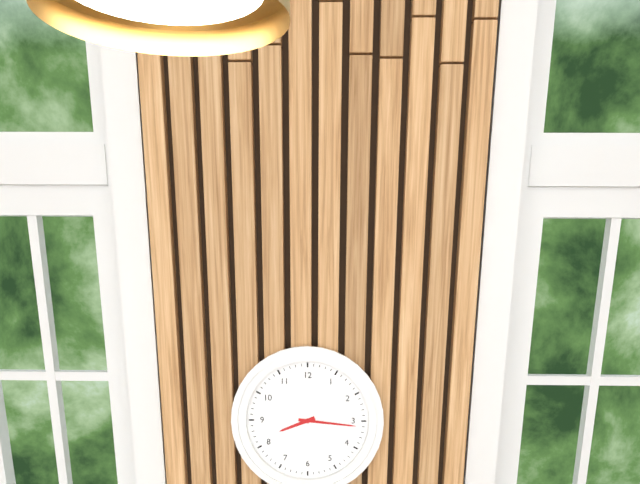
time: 8:16
